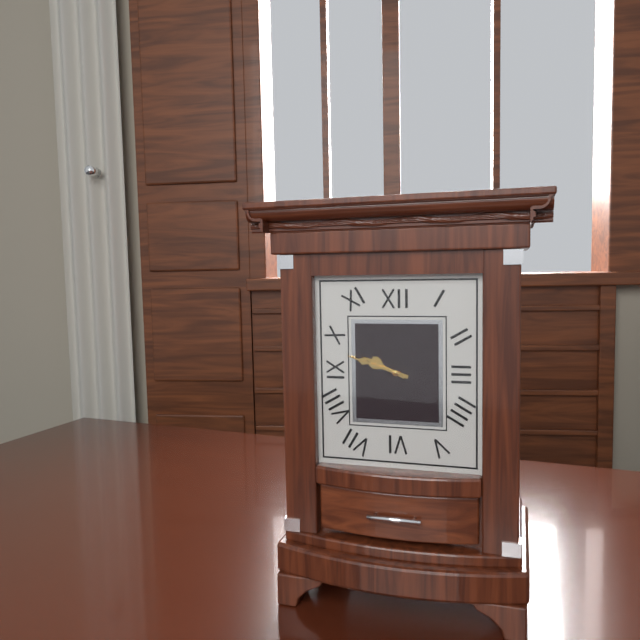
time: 9:48
